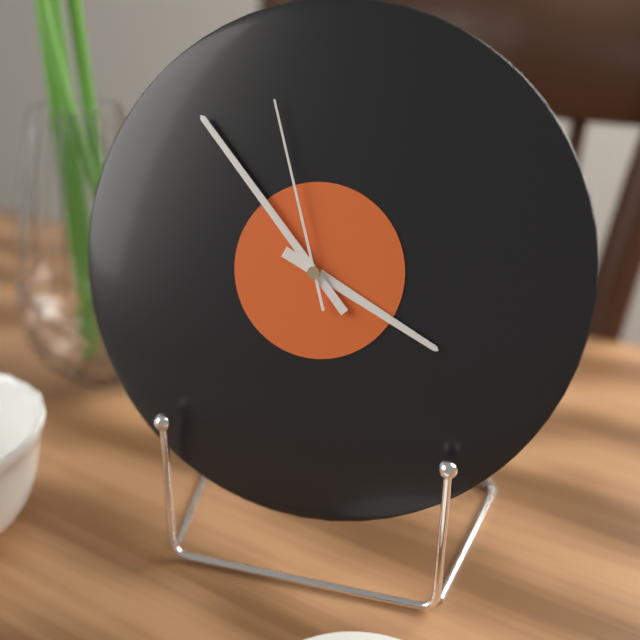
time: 3:53:57
